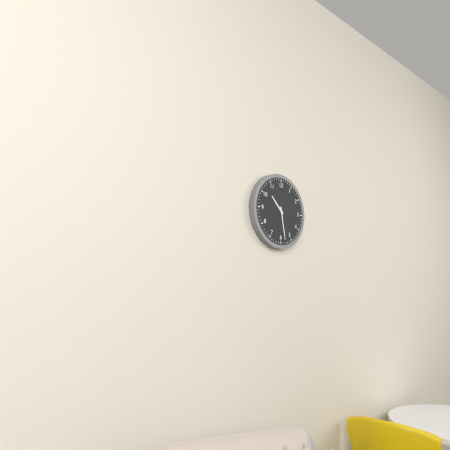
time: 10:28
